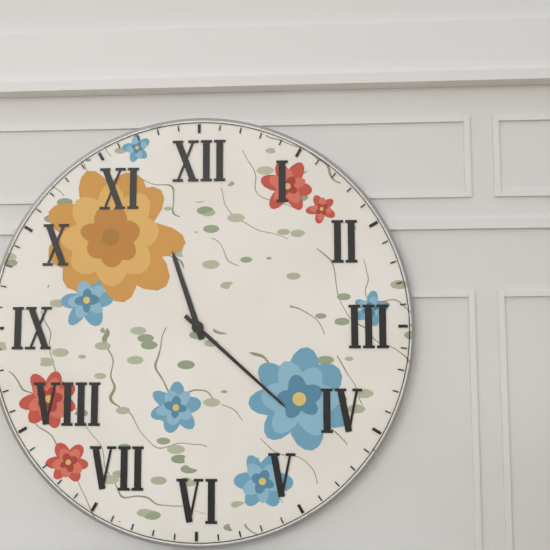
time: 11:22
